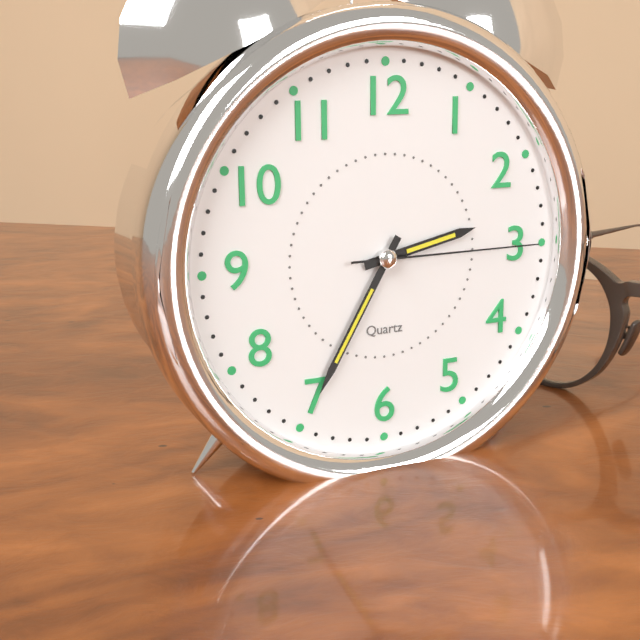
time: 2:35:15
